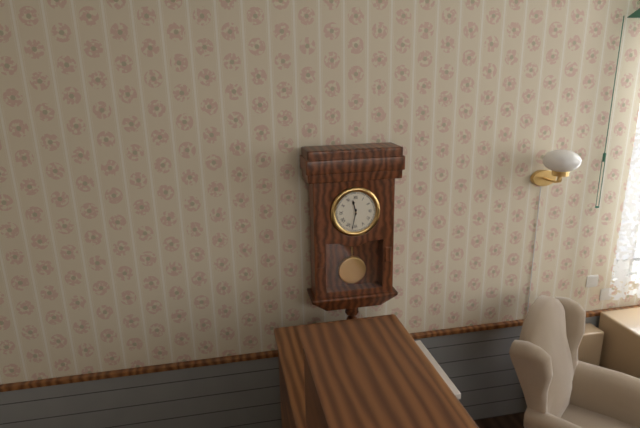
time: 11:32
